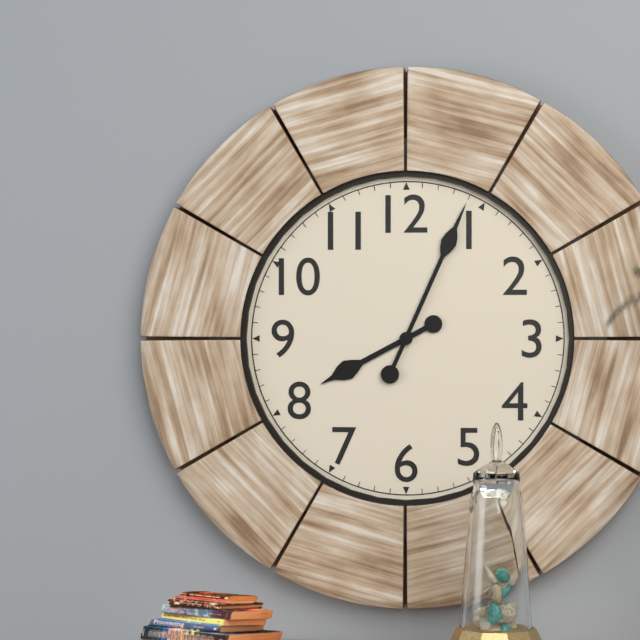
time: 8:04
